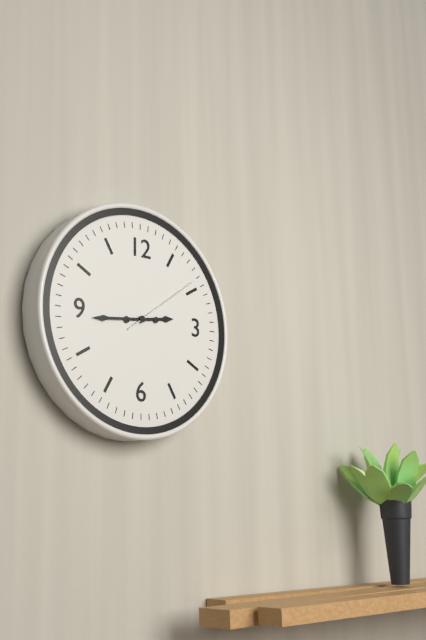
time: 2:44:09
